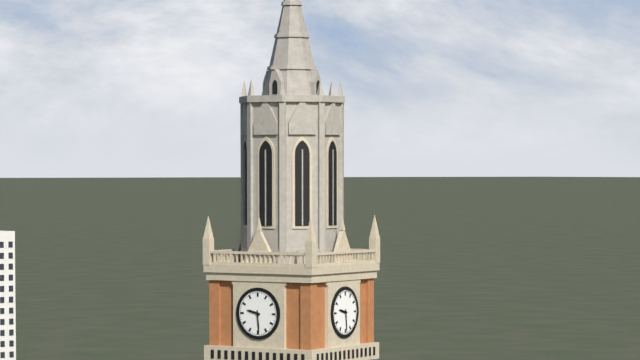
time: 9:29
